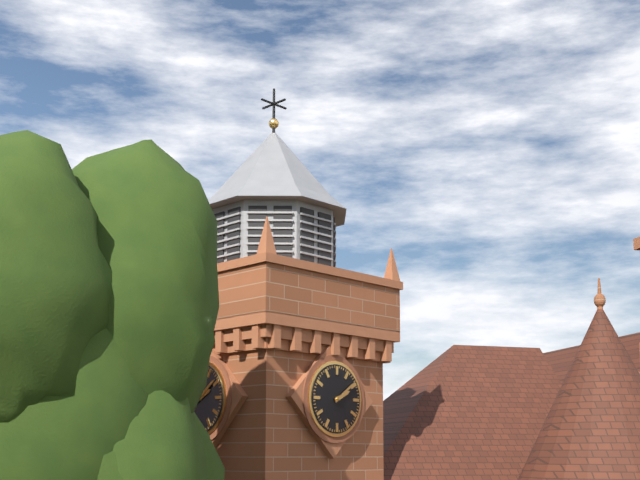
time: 2:09
